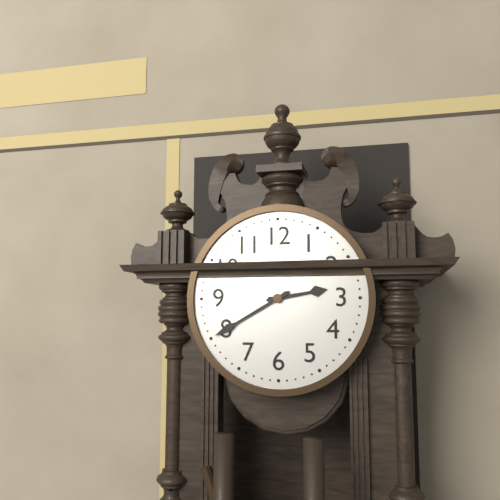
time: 2:40
